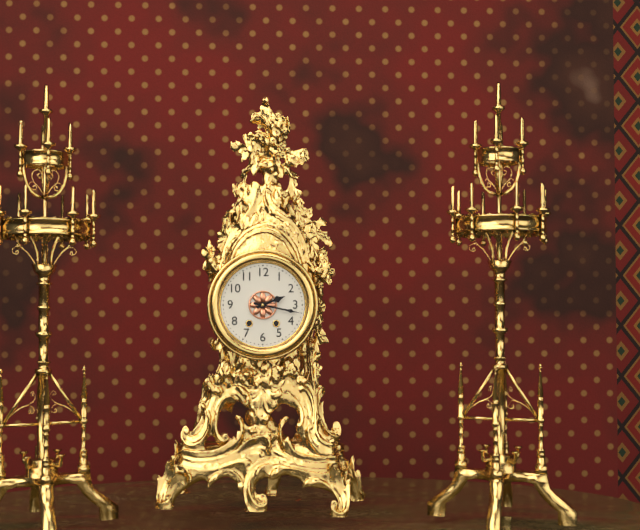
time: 2:17
